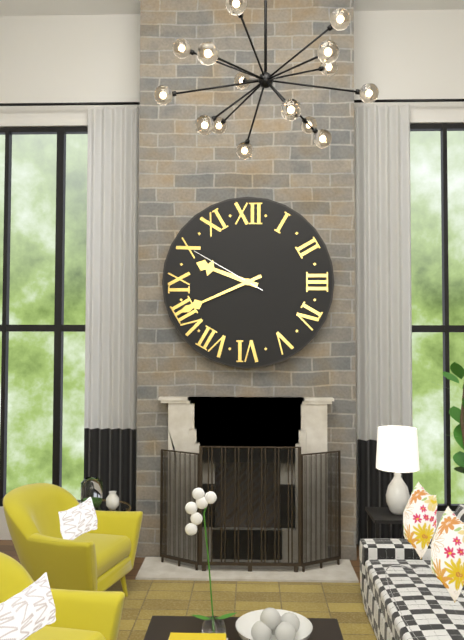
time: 9:41:50
